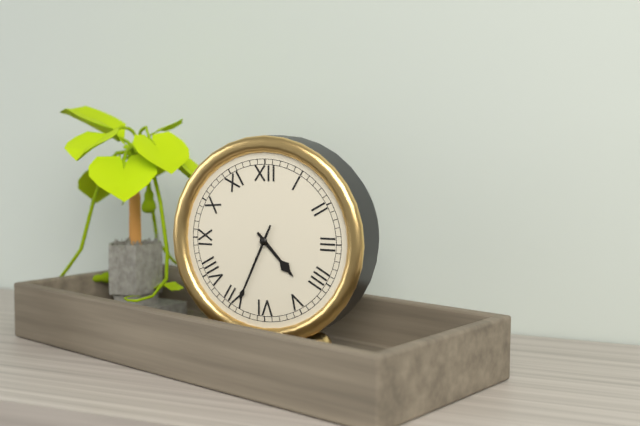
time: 4:34
